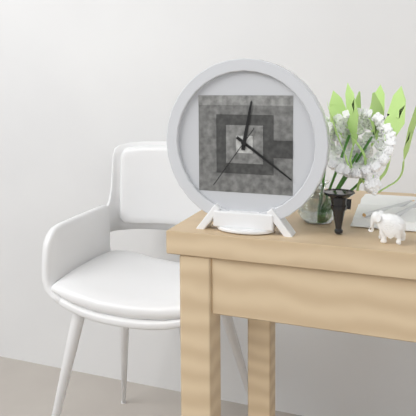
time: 12:21:36
